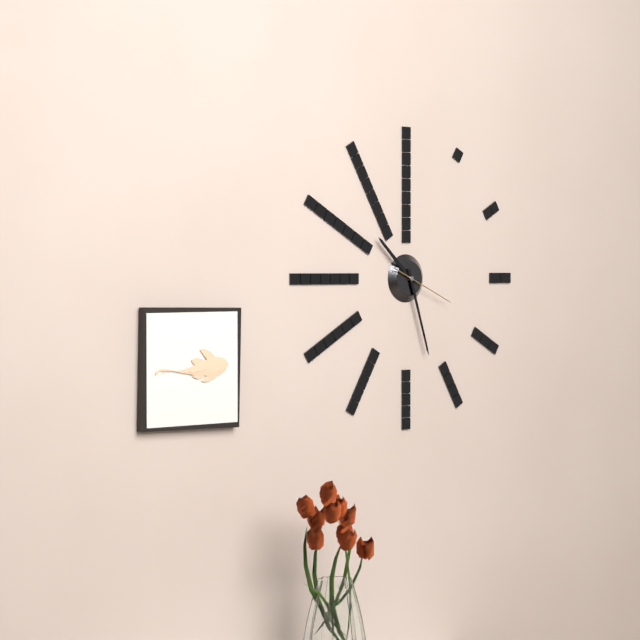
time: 10:27:19
